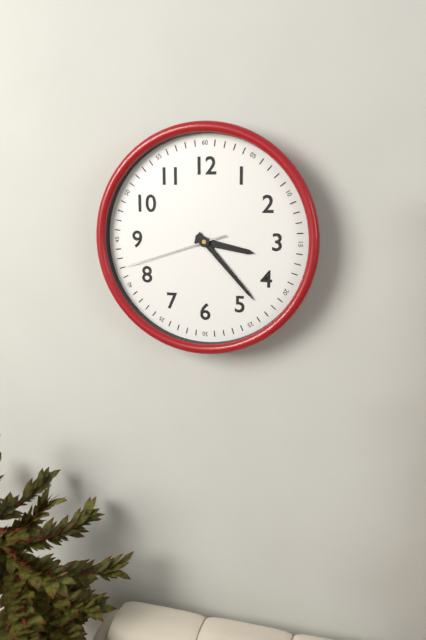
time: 3:23:42
